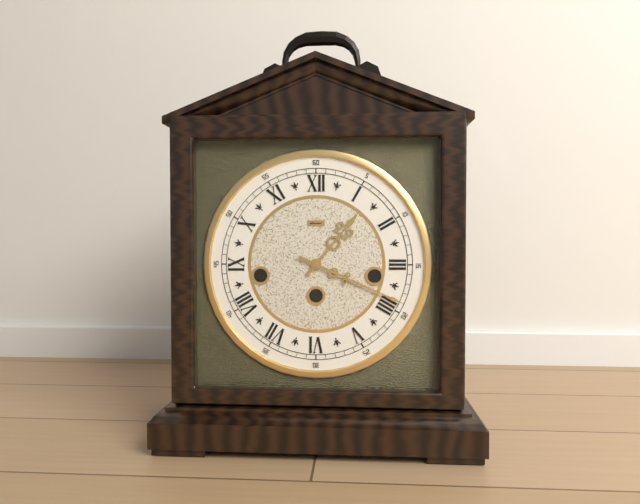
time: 1:19
